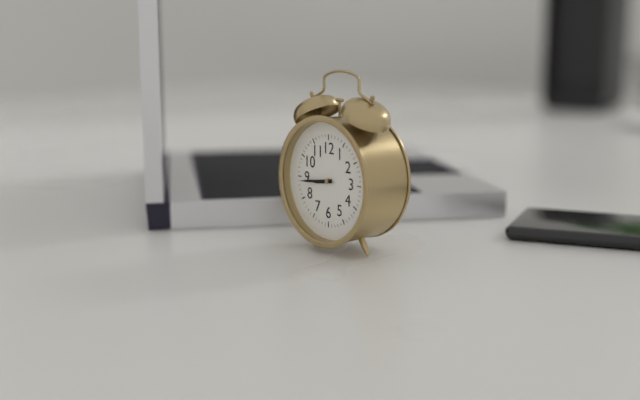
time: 8:44
